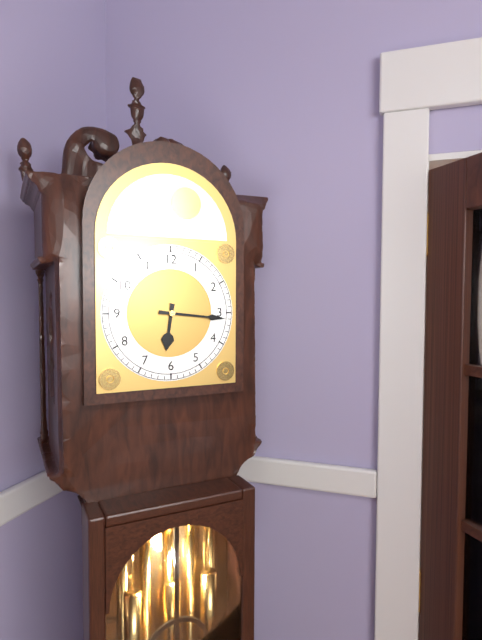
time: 6:16
